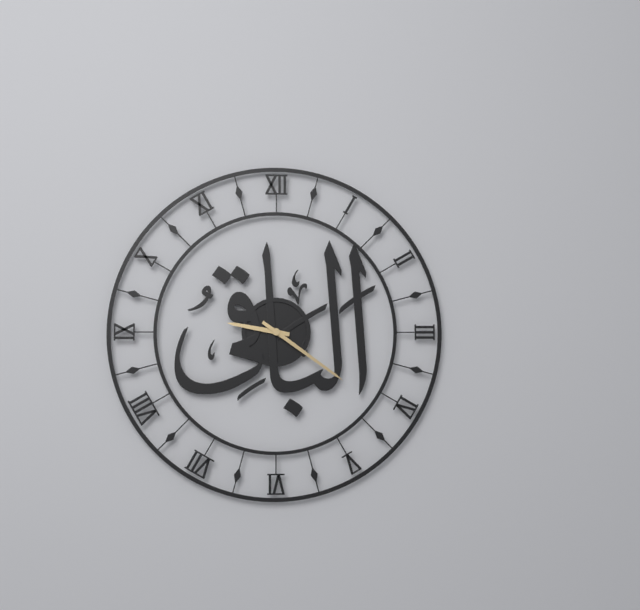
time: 9:21
